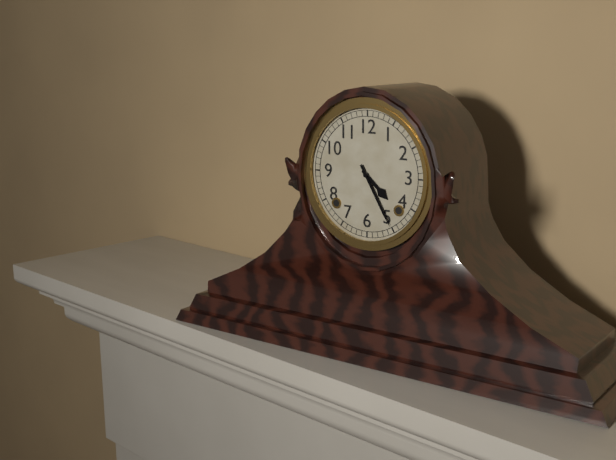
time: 4:25
